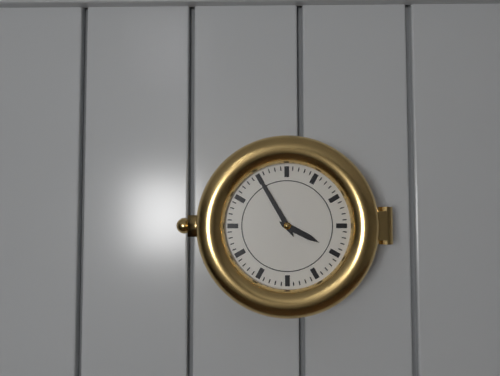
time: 3:55
